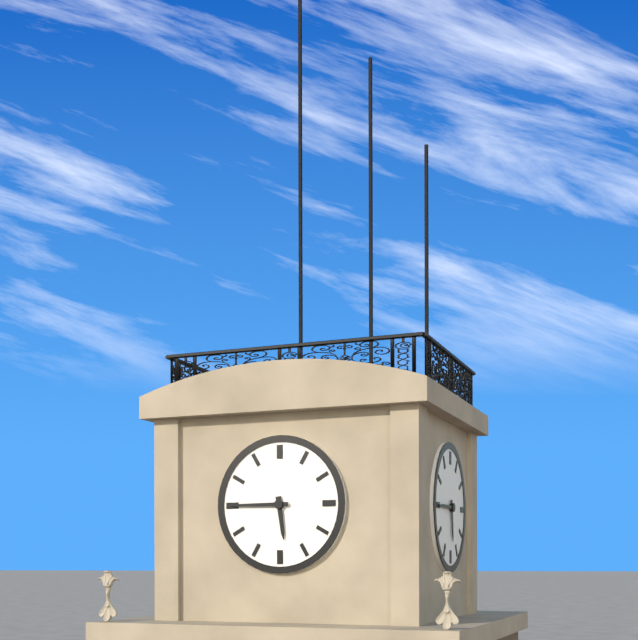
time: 5:45
